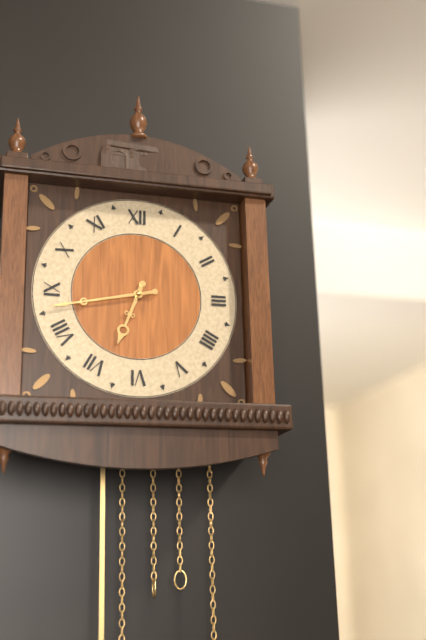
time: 6:43
